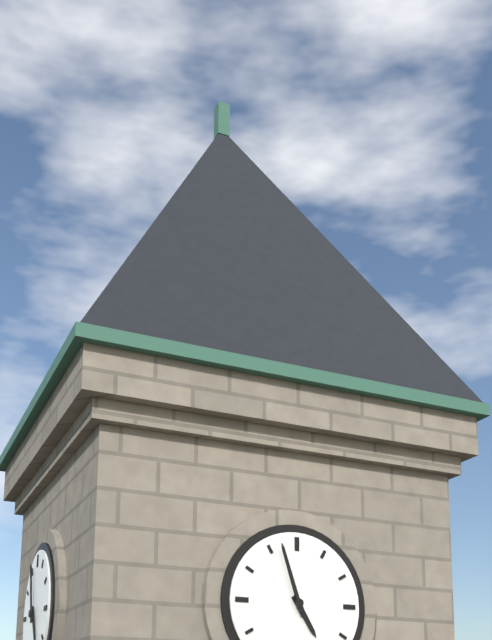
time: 4:57
